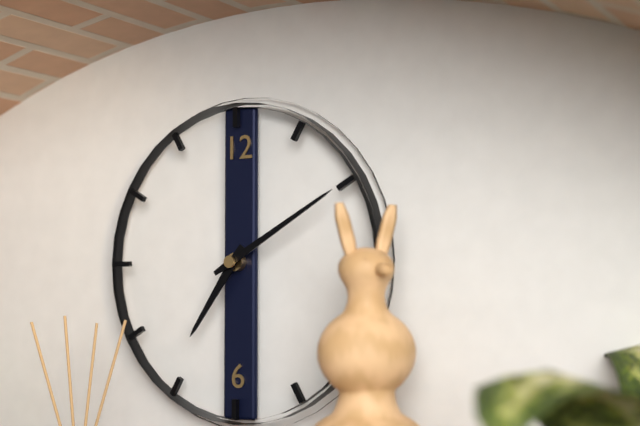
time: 7:10
